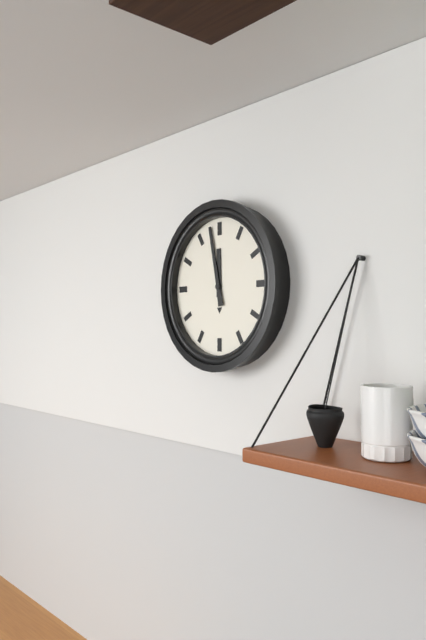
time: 11:58
